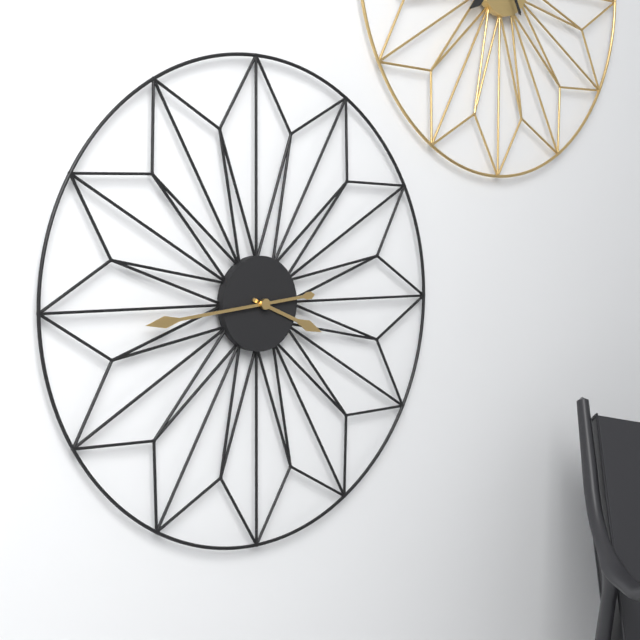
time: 3:44
